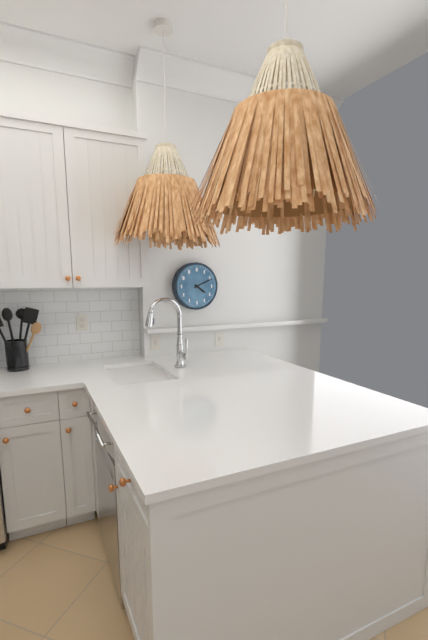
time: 4:11
